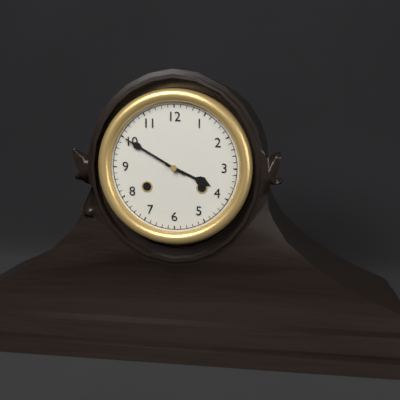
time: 3:50
